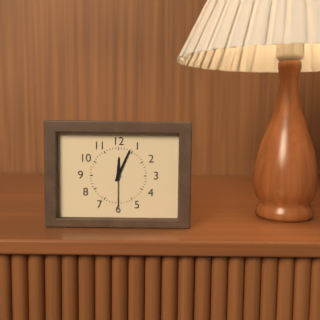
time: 12:04
